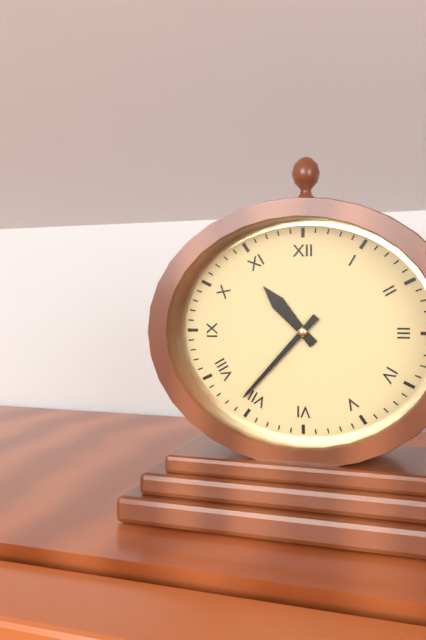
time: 10:37
